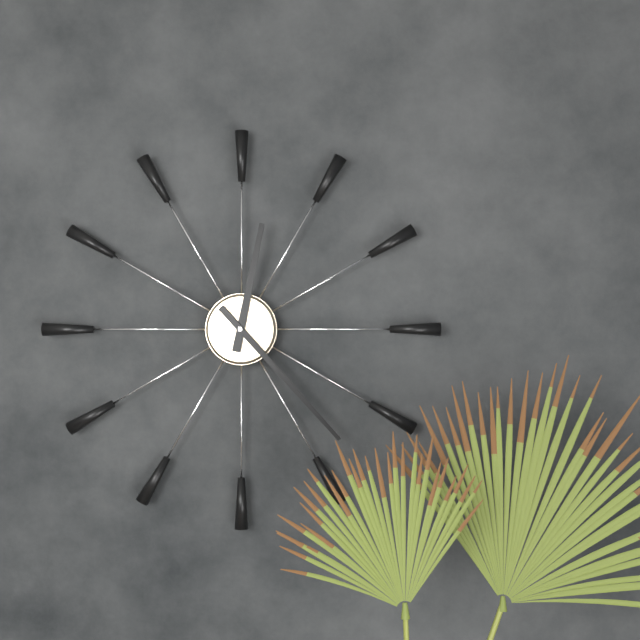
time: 12:23
